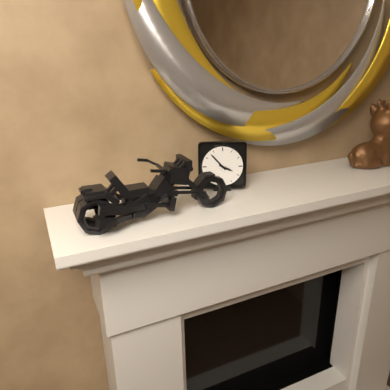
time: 3:53
